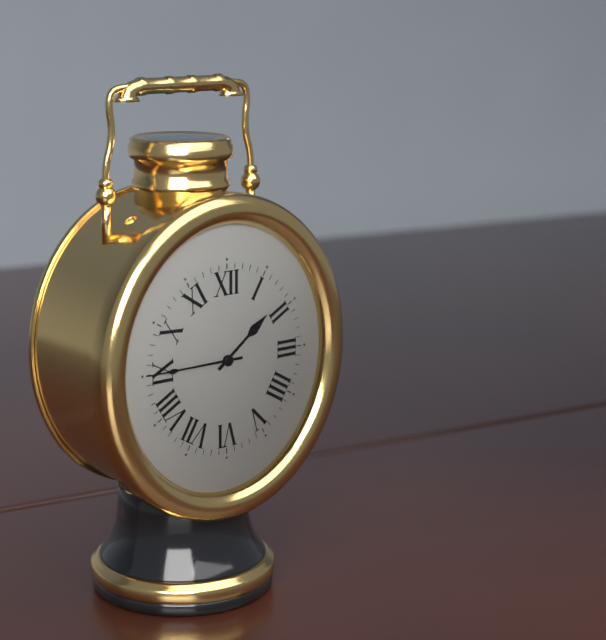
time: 1:45
